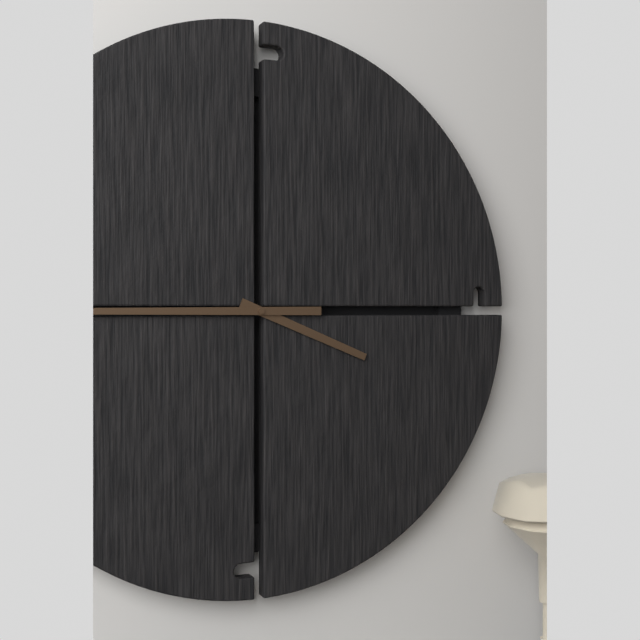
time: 3:45
